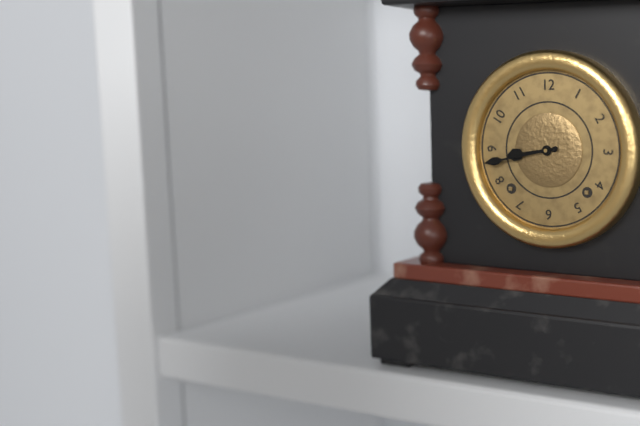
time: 8:43
